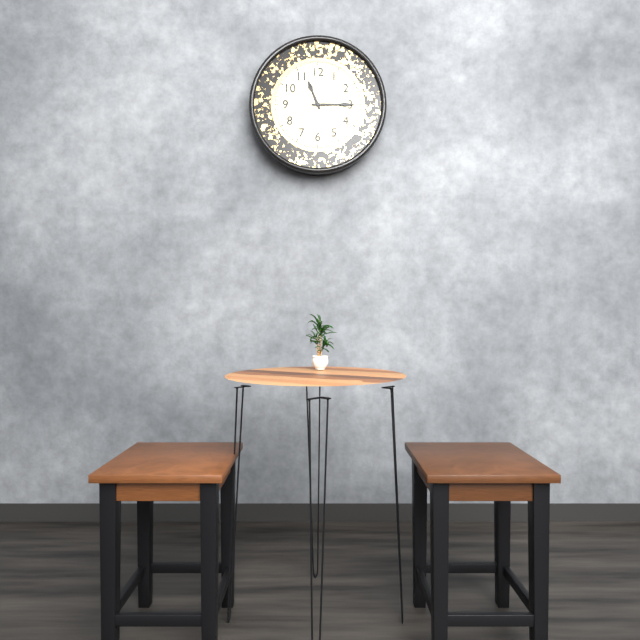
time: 11:15
